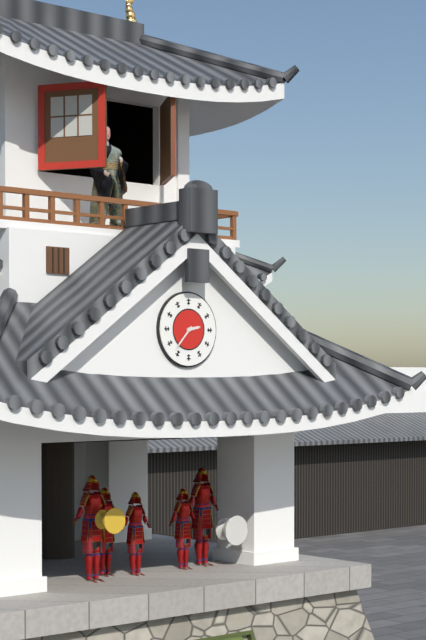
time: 2:37
